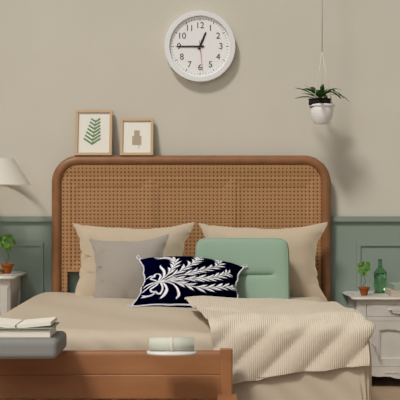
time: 12:45
